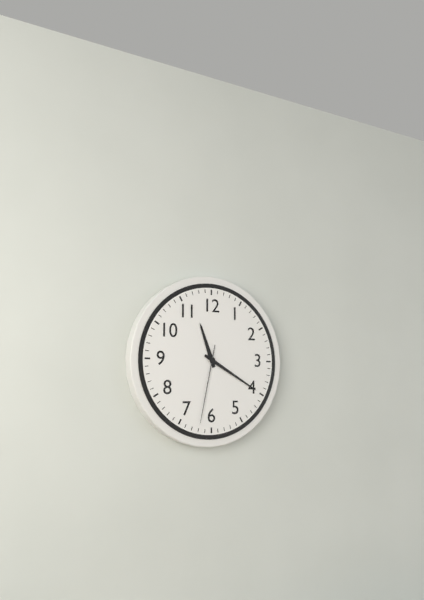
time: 11:20:32
